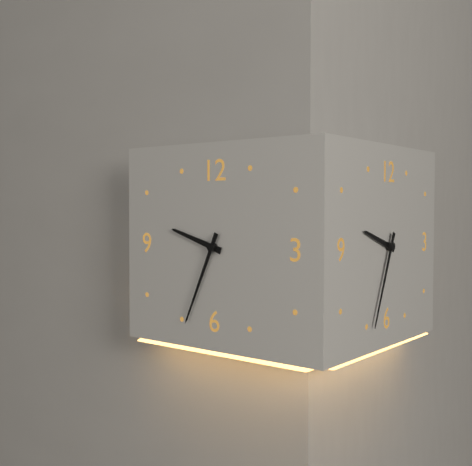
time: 9:34
